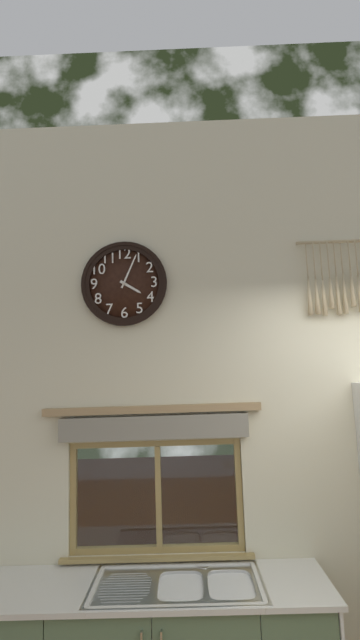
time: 4:04
